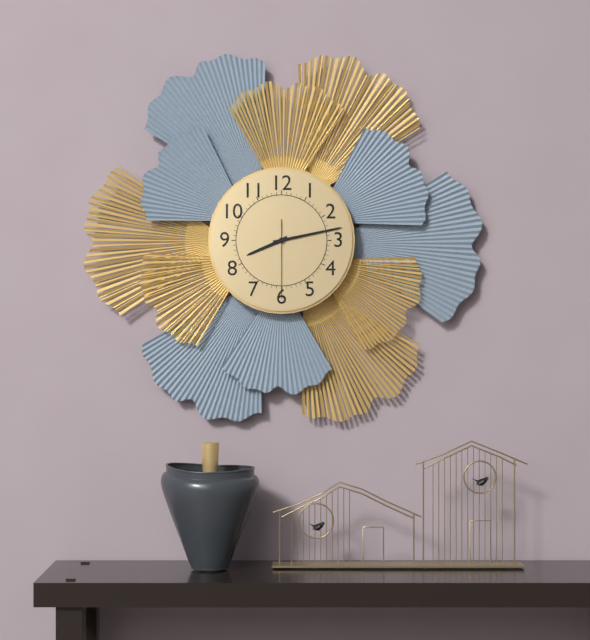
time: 8:13:30
